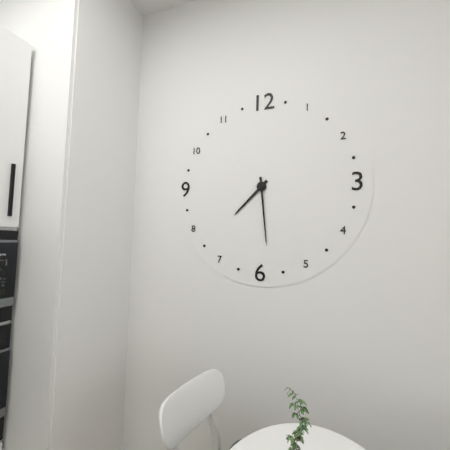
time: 7:29
